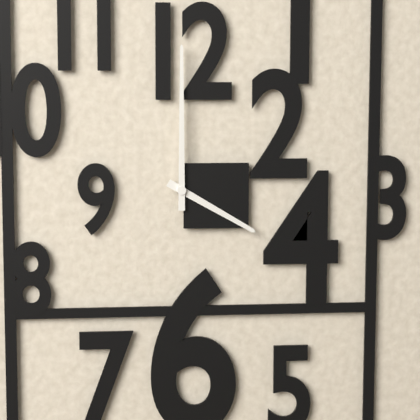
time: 4:00
